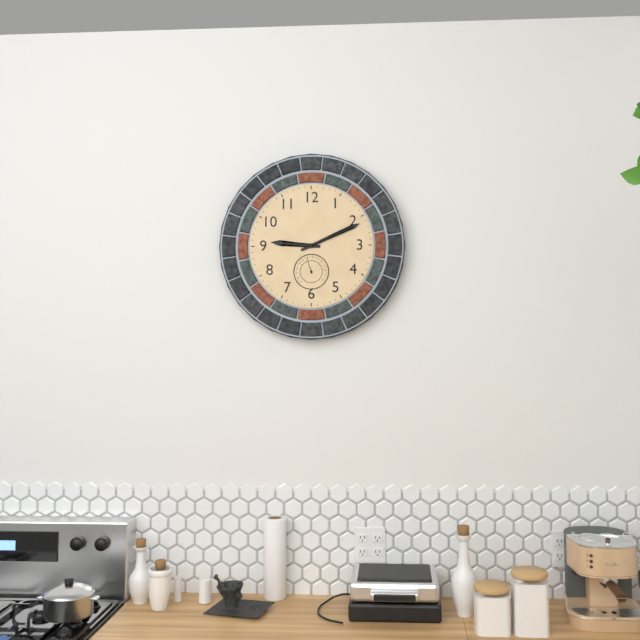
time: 9:11
